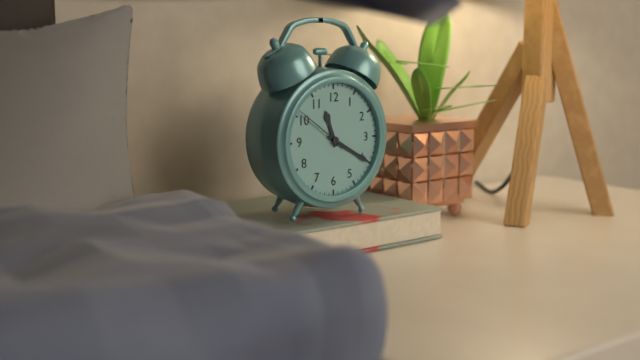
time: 11:20:51
